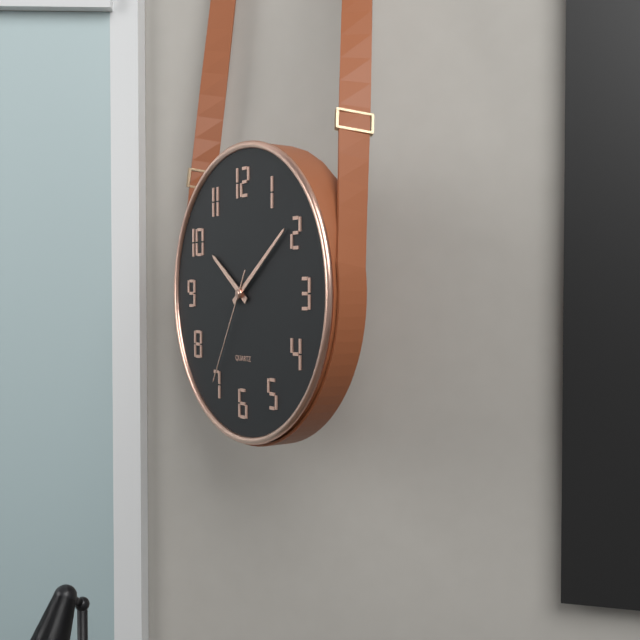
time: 10:09:35
